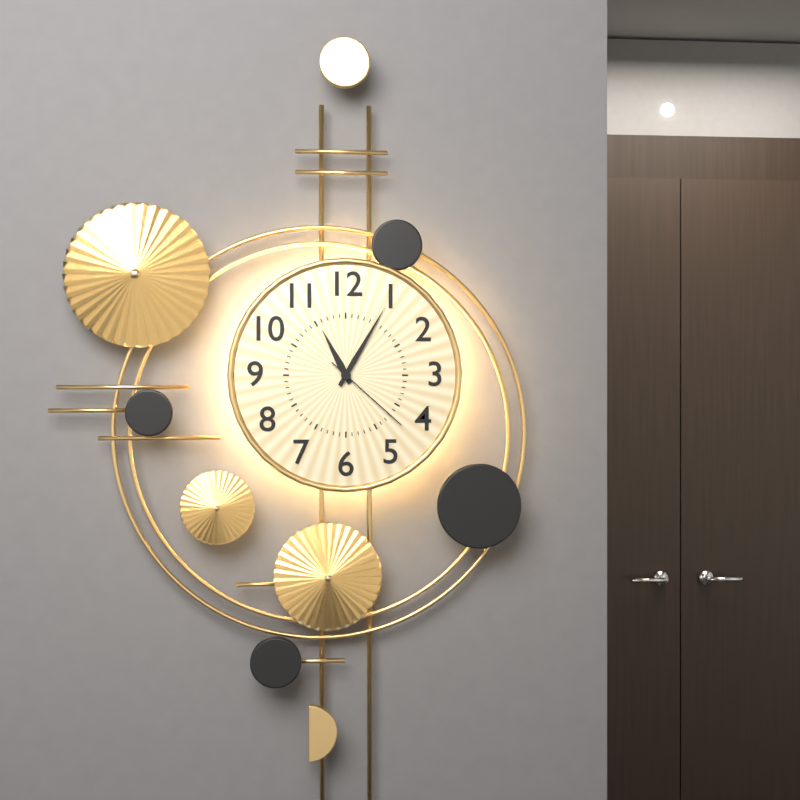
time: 11:05:22
